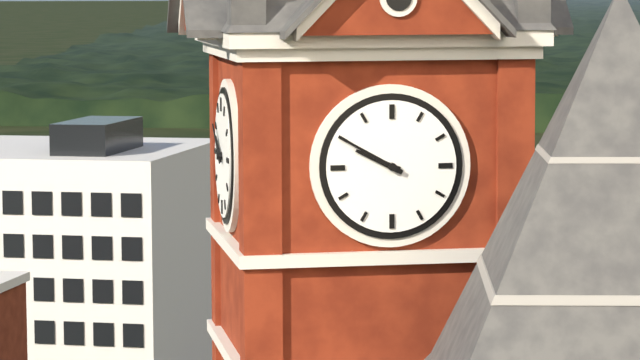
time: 9:50
